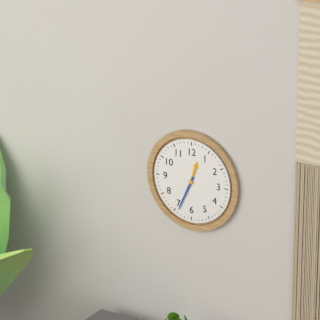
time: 12:34
